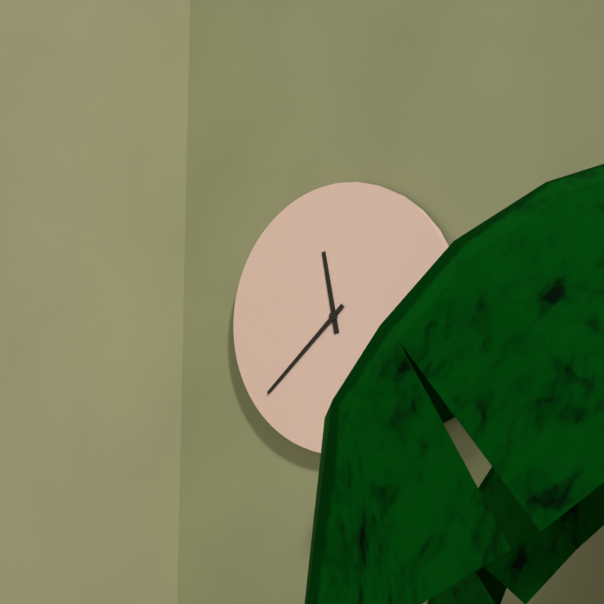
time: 11:38
